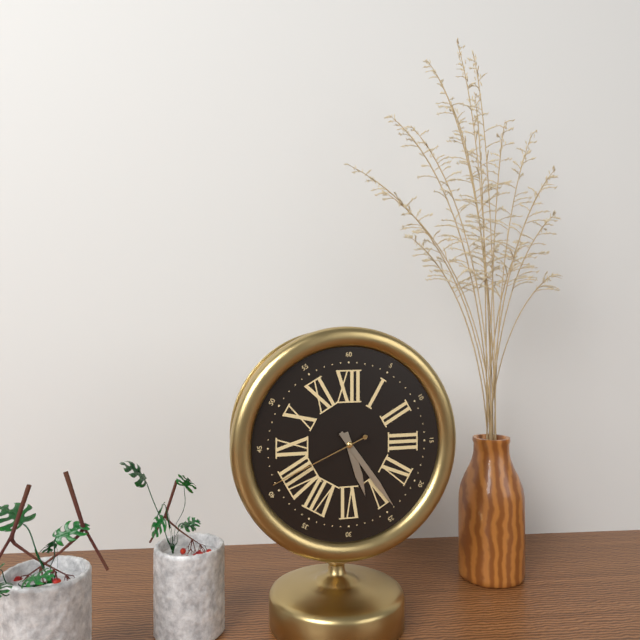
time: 5:24:41
